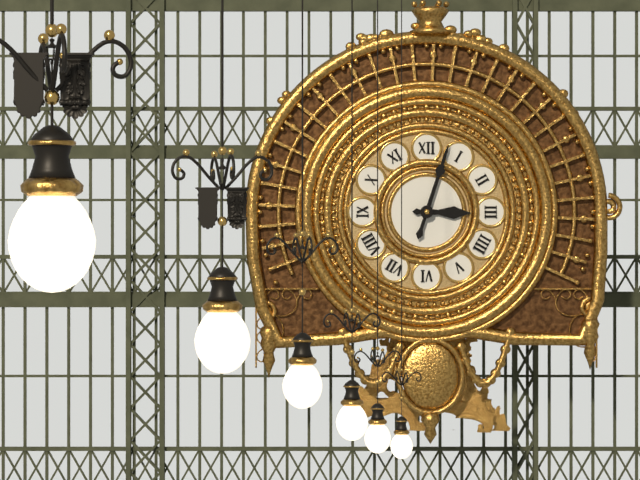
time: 3:03
